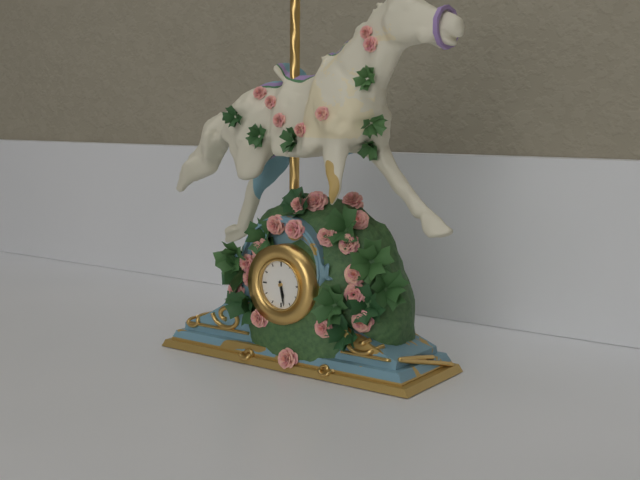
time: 5:28
